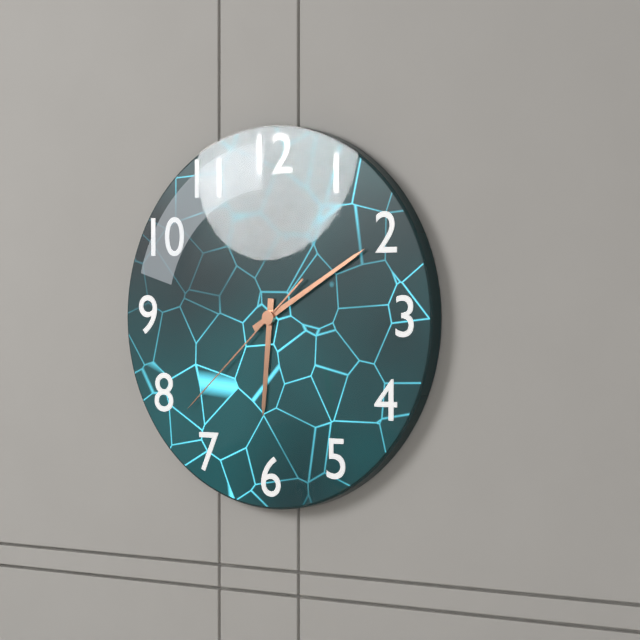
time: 6:10:38
